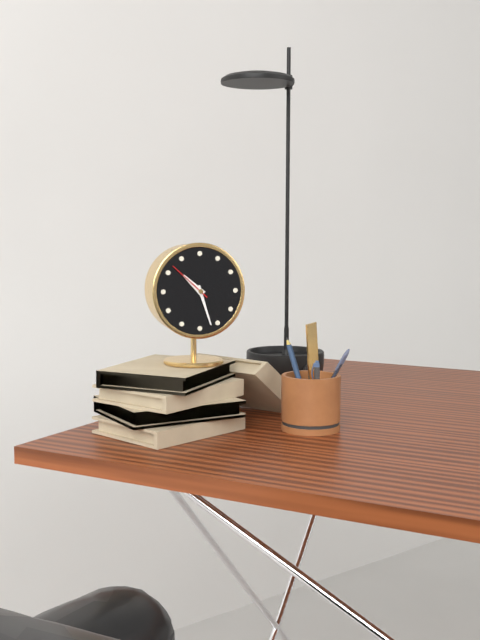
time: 10:27
